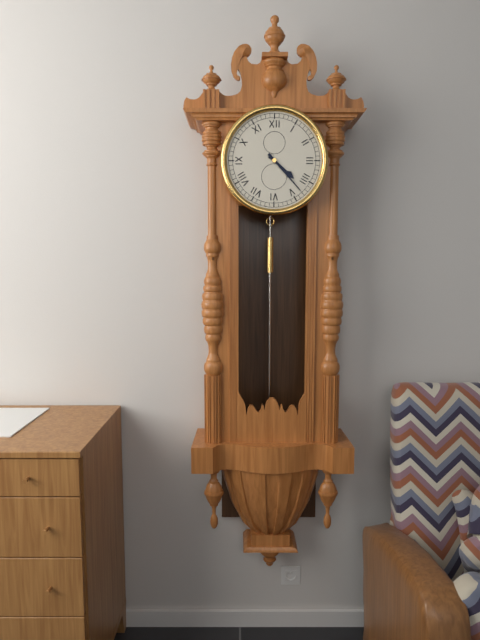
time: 4:23
